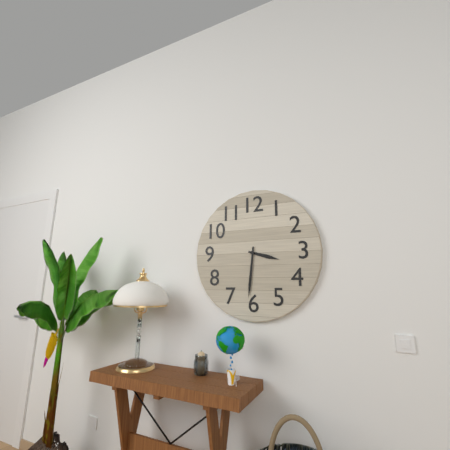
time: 3:31
